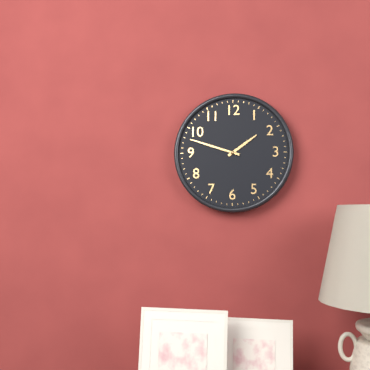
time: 1:48
